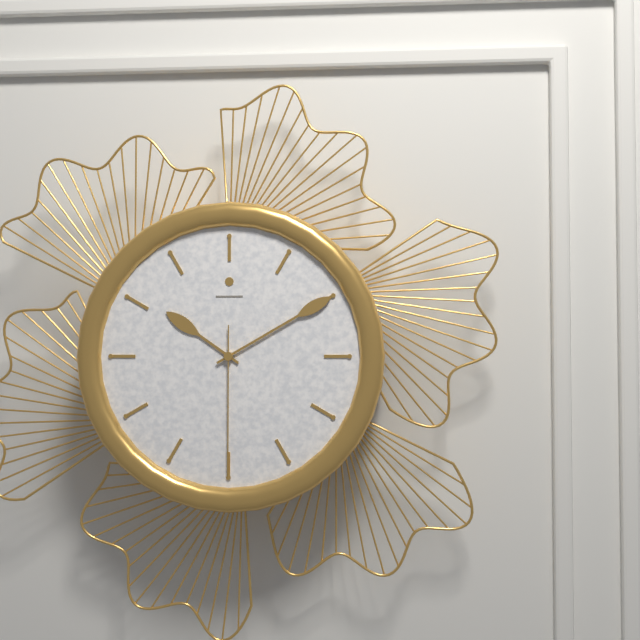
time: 10:10:30
